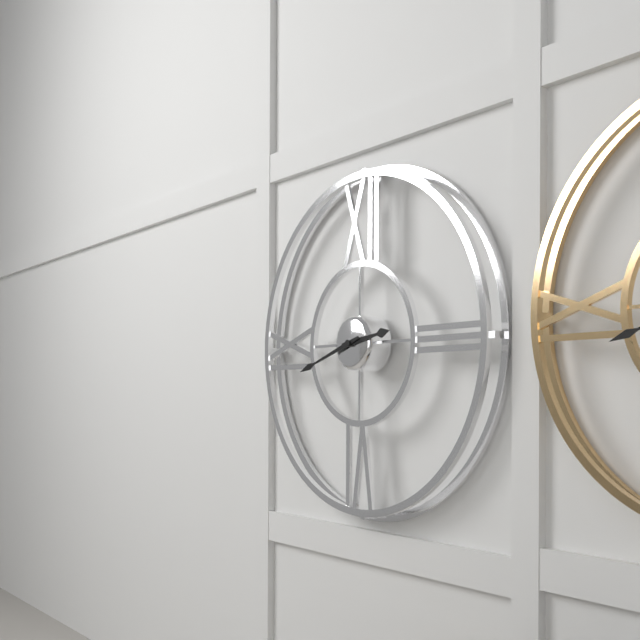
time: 2:42
